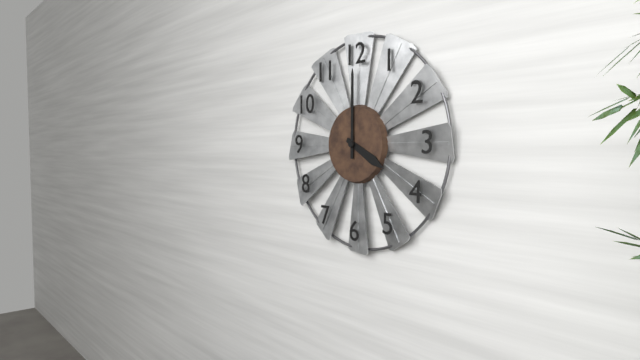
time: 4:00
